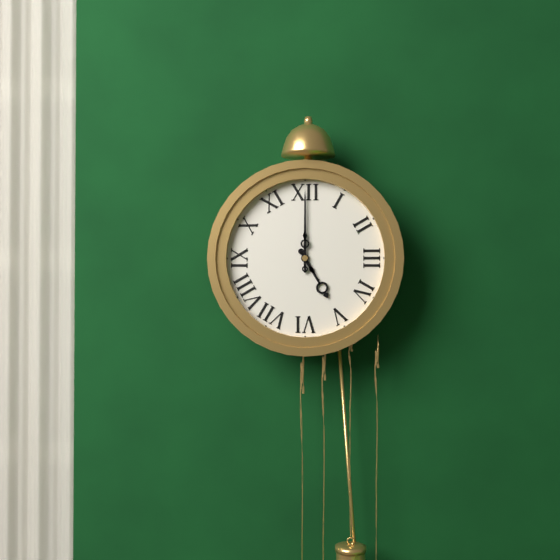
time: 5:00
